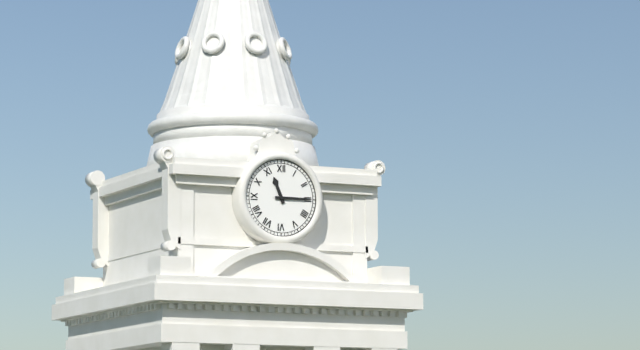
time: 11:15
